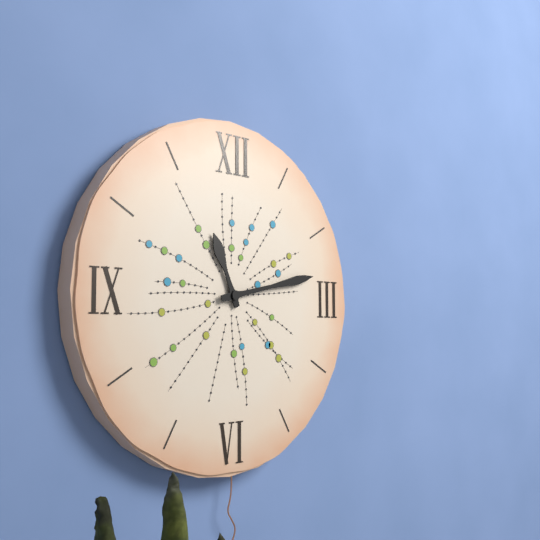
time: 11:13
